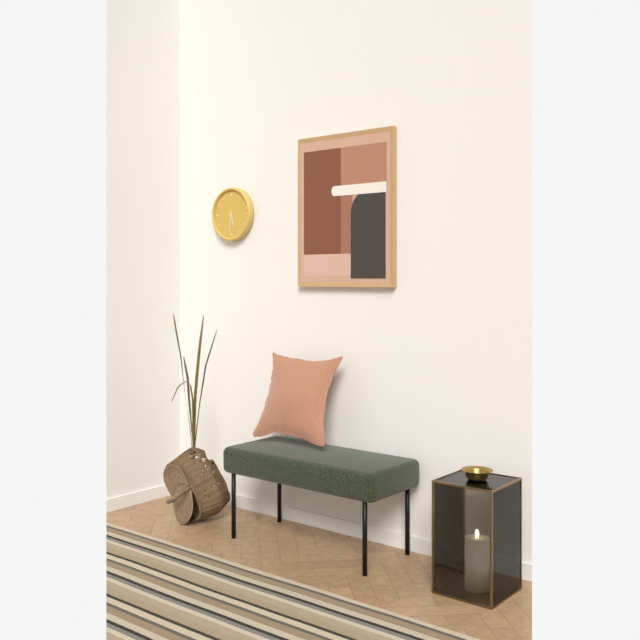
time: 5:31
